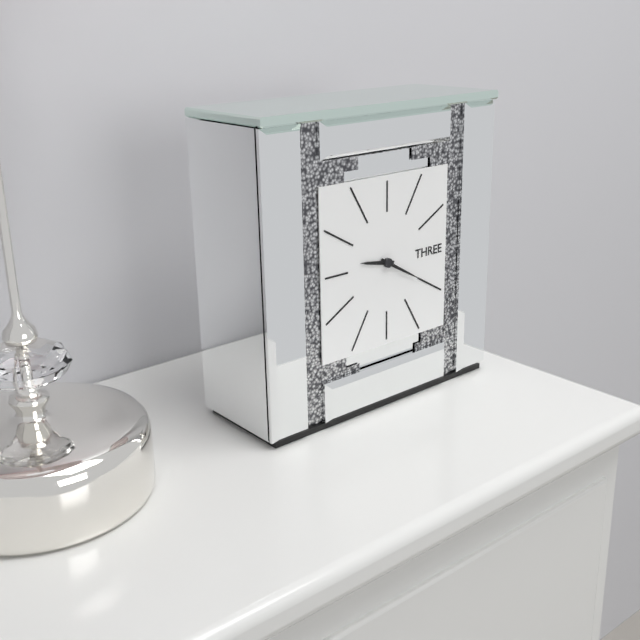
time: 9:20
